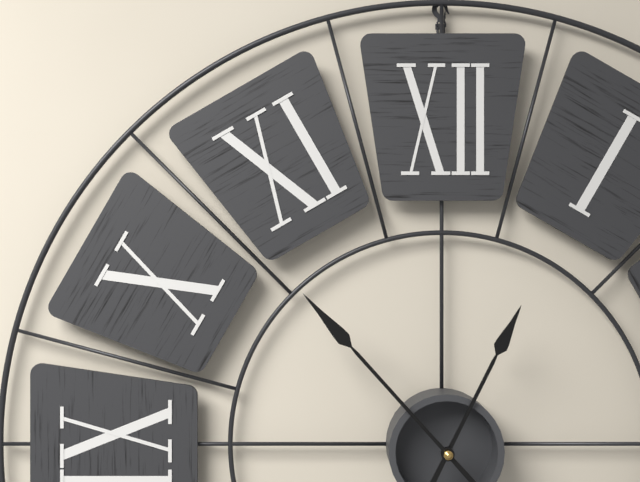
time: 12:53
